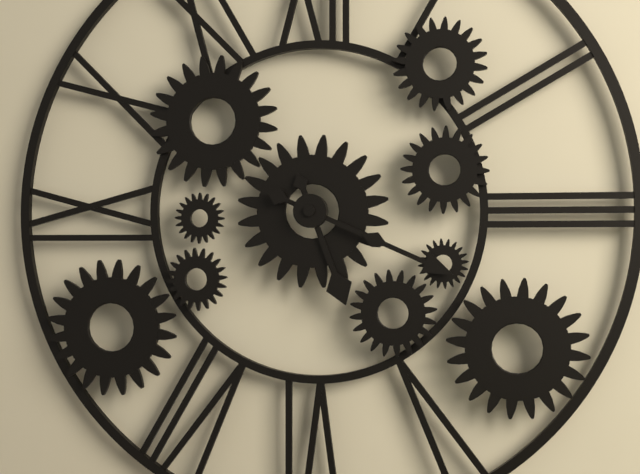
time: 5:19
